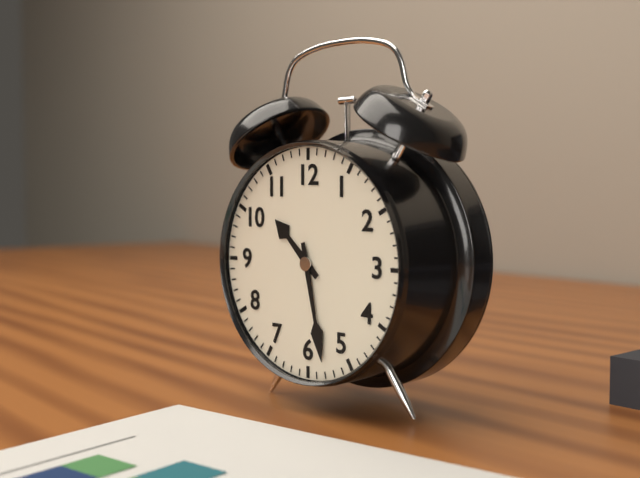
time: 10:28
